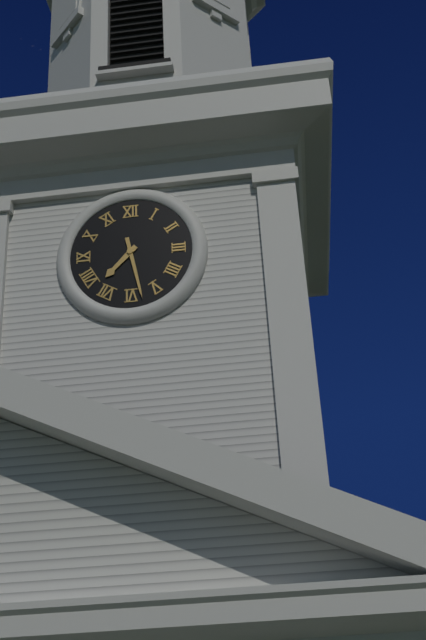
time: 7:28
